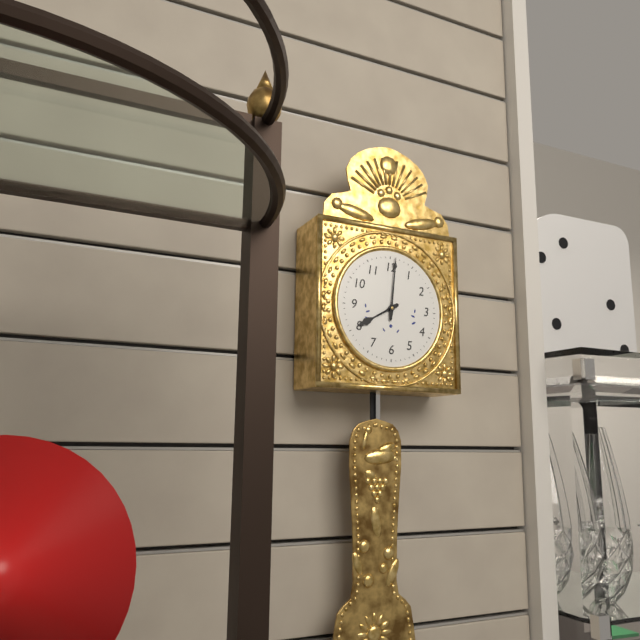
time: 8:01
